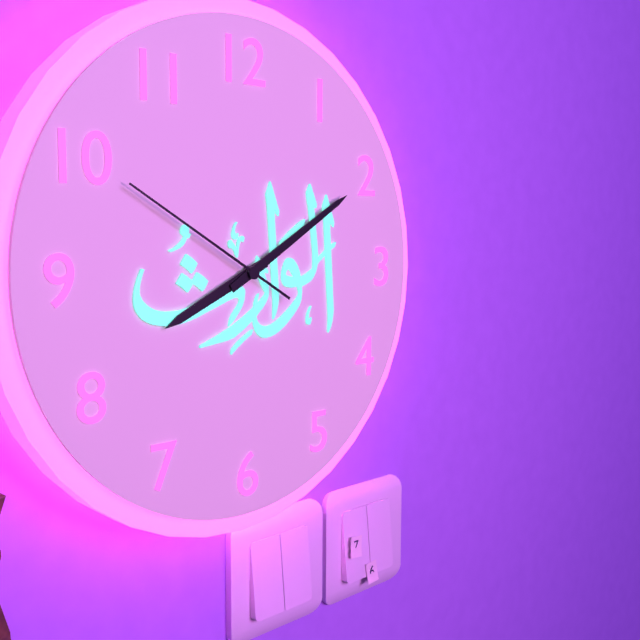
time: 8:10:50
